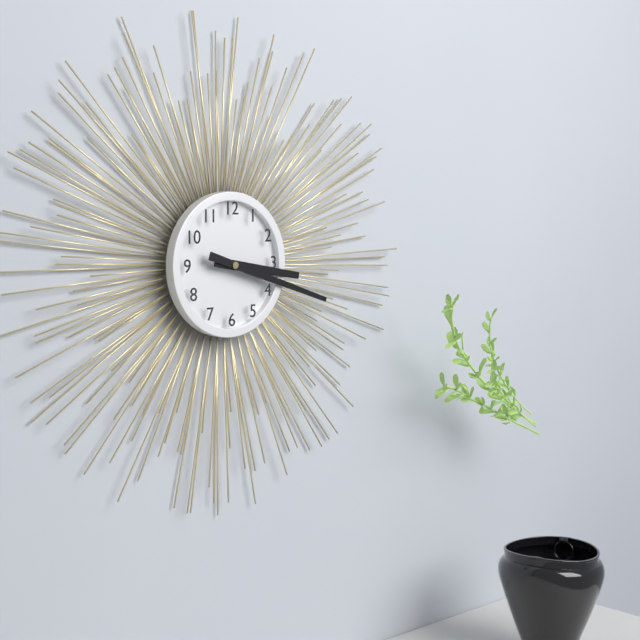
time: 3:18
